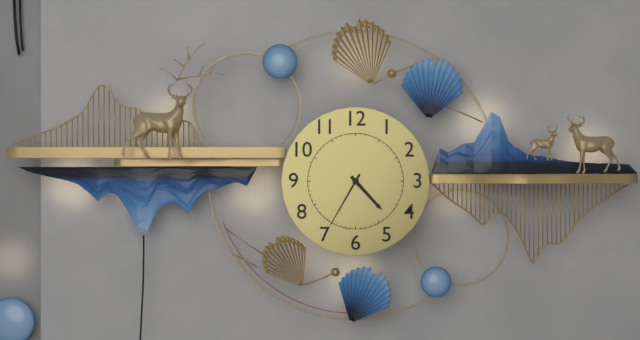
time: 4:35
